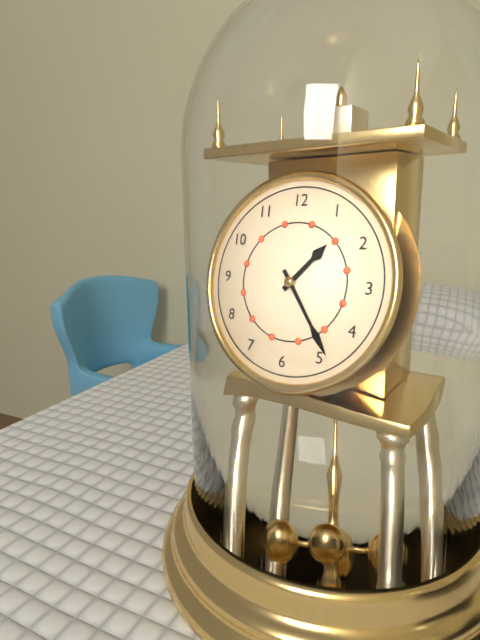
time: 1:24
